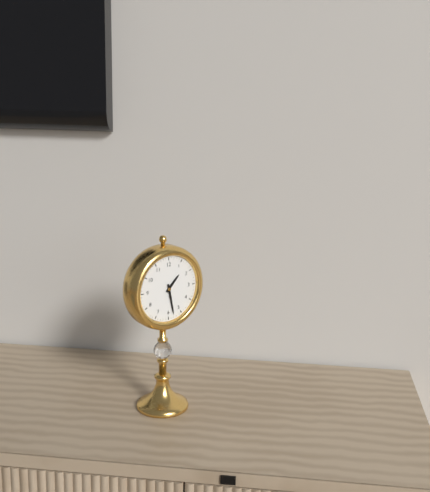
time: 1:28
